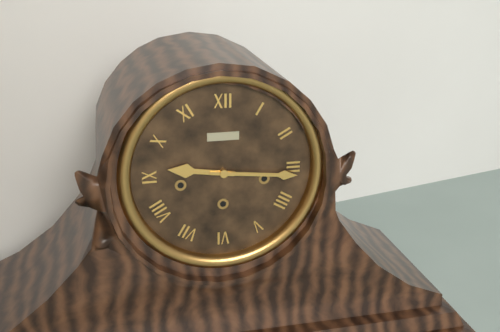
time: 9:16
